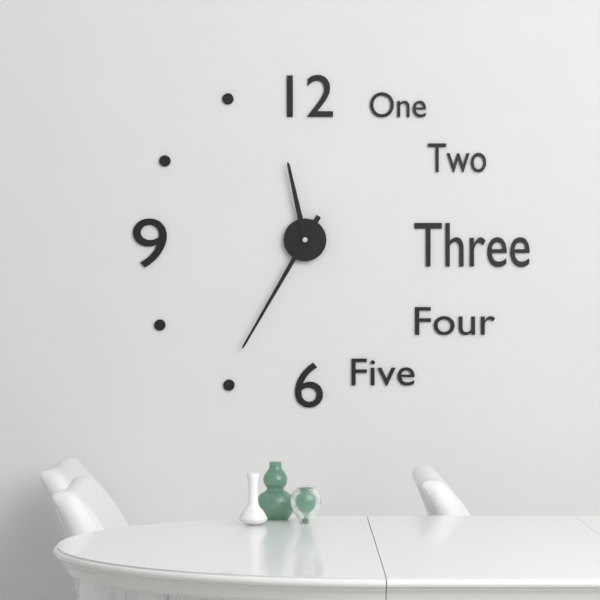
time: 11:35
